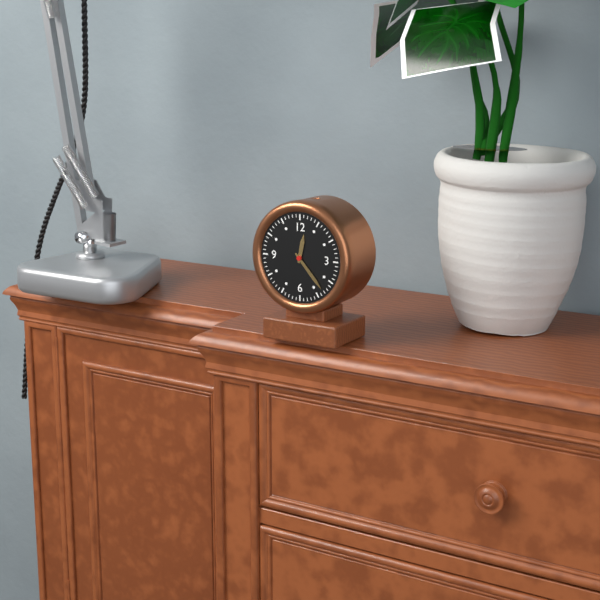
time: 12:23
